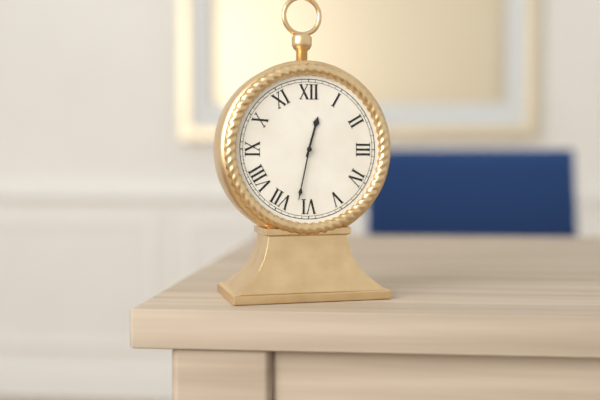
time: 12:32
